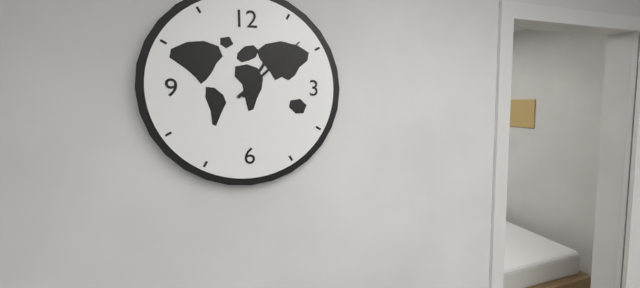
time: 1:08
